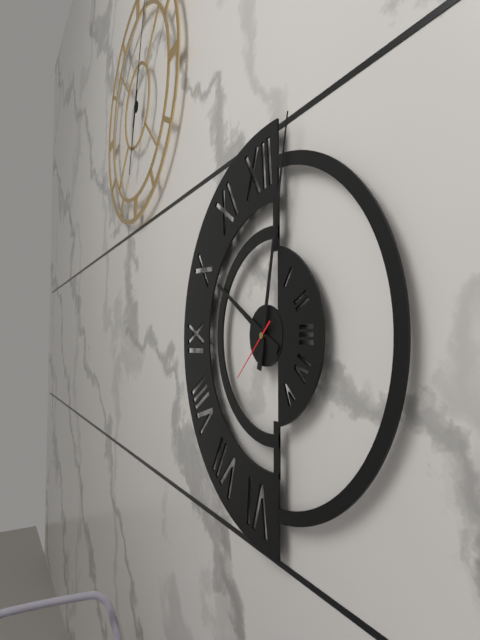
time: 10:02:38
